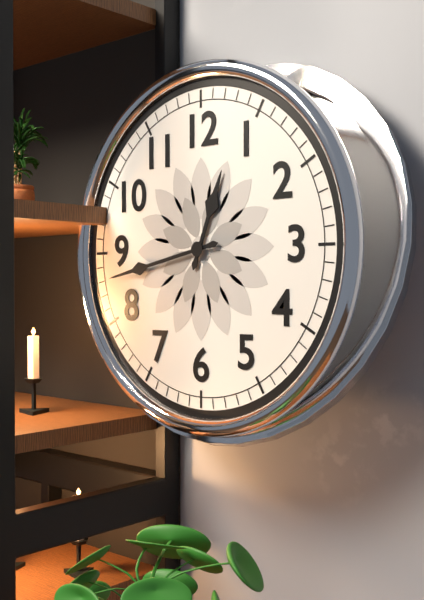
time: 12:43
